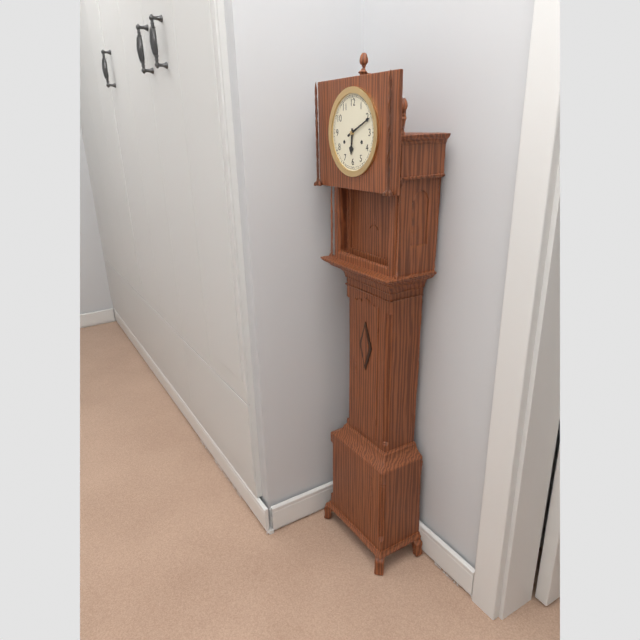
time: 6:11
